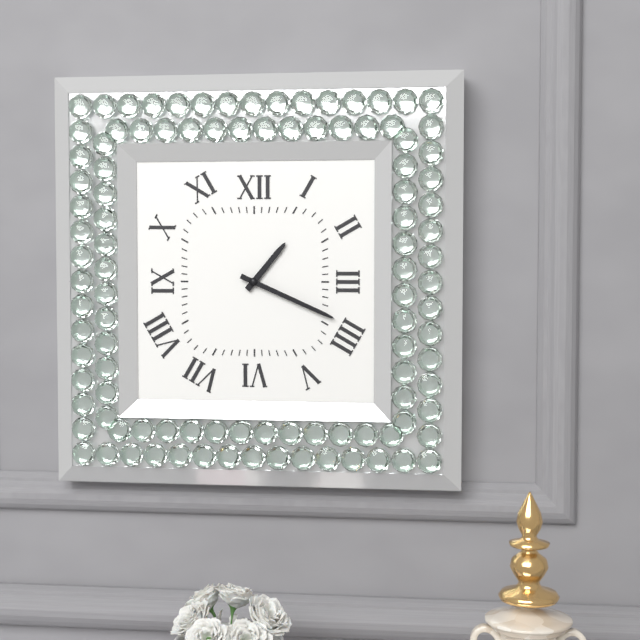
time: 1:19
